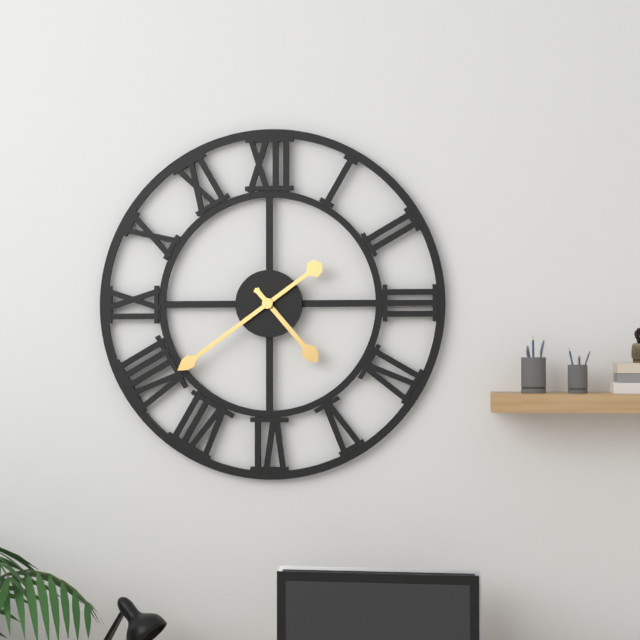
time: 4:39
